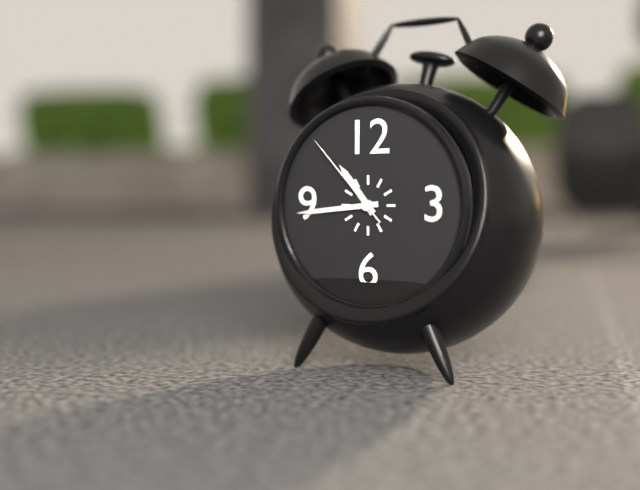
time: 10:44:53
